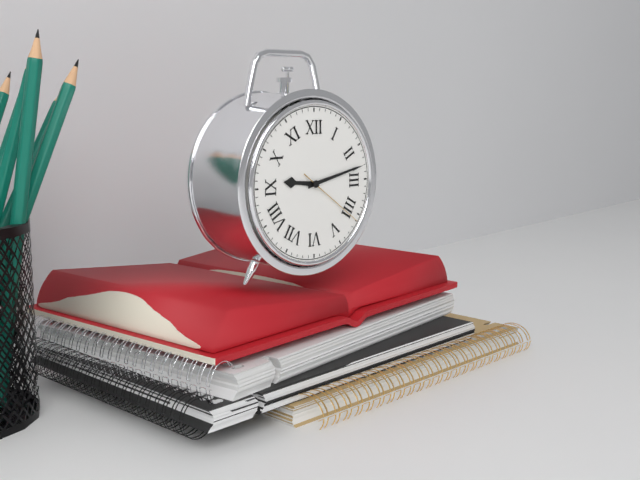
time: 9:13:21
